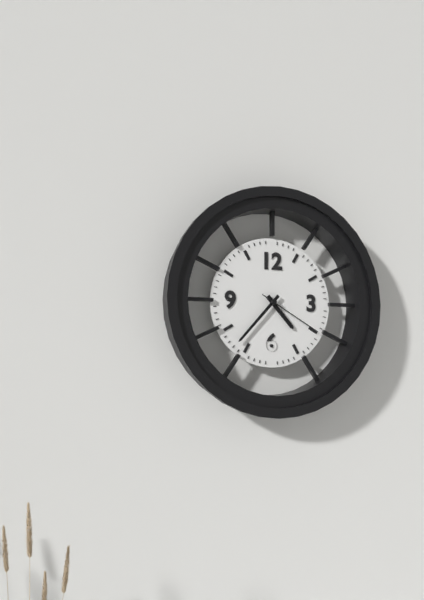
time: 4:37:20
